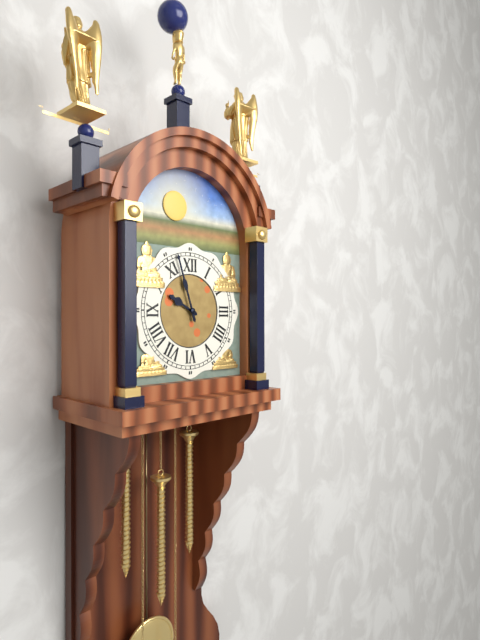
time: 9:57
